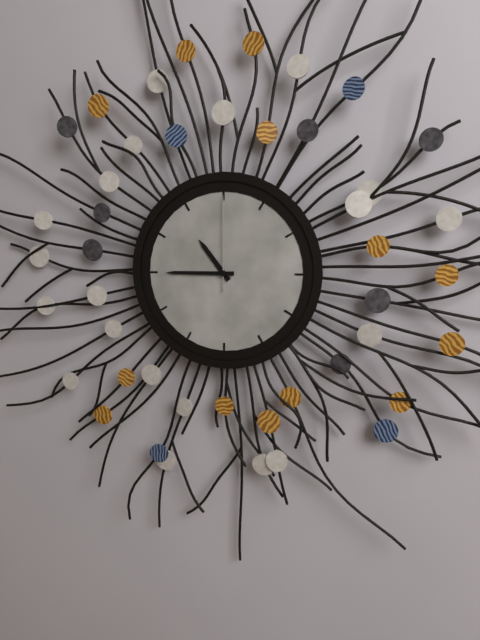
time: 10:45:00
